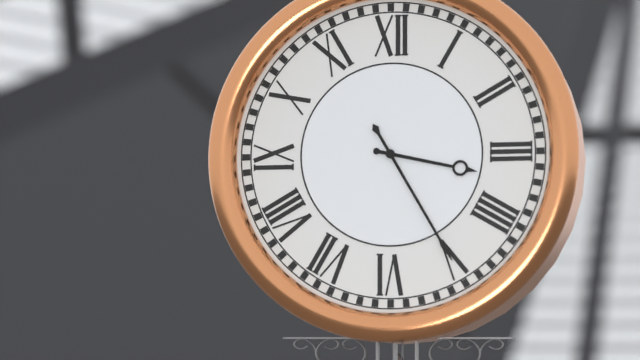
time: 3:25
